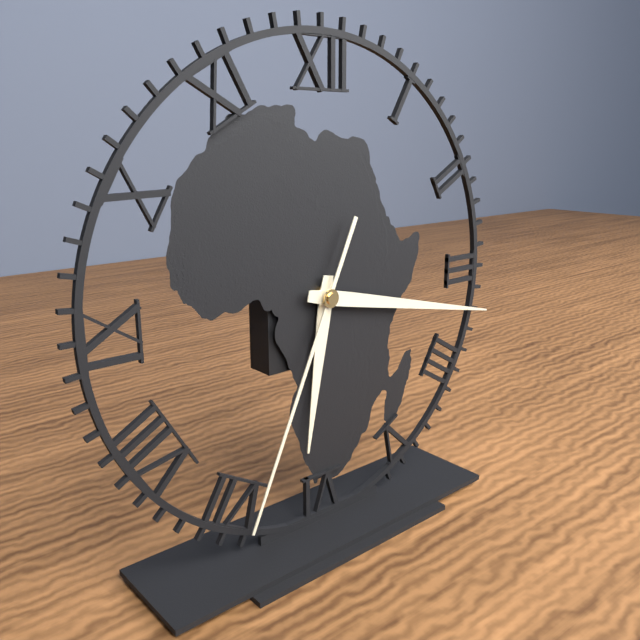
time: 6:17:34
